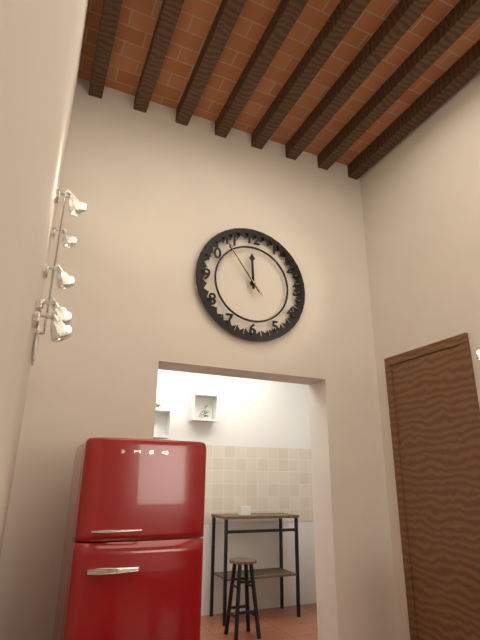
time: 11:54:54
